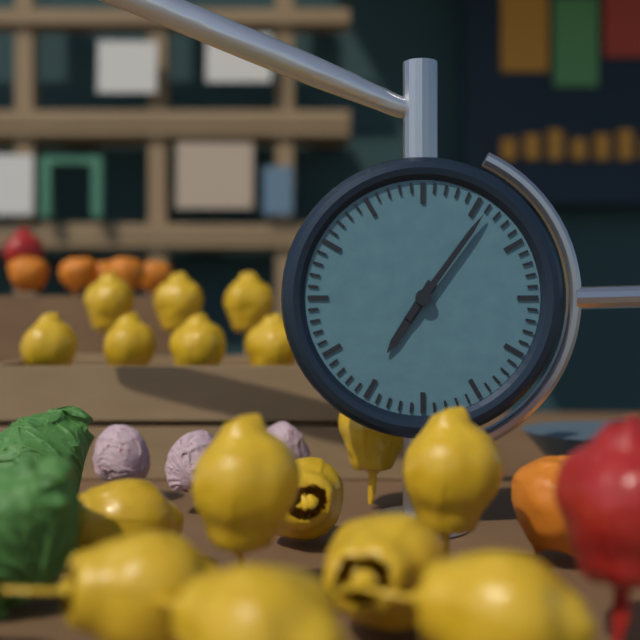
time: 7:06
